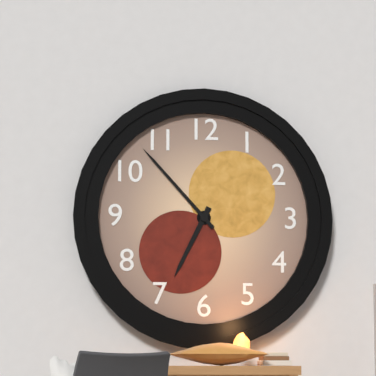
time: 6:53
